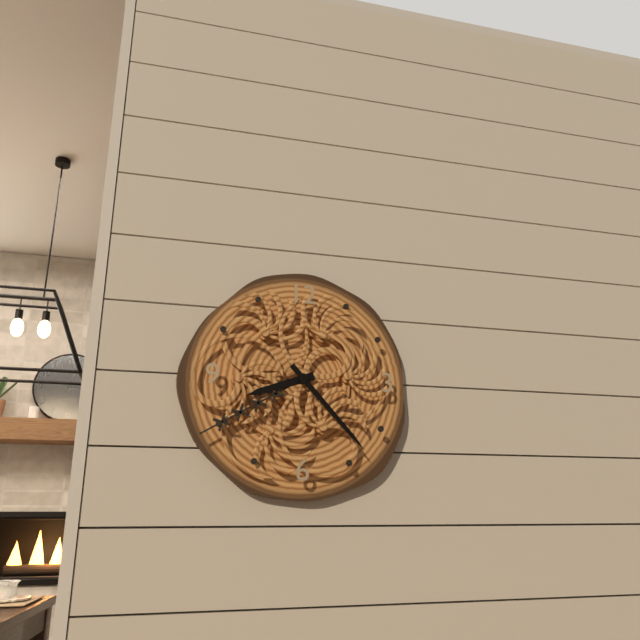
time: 8:23
